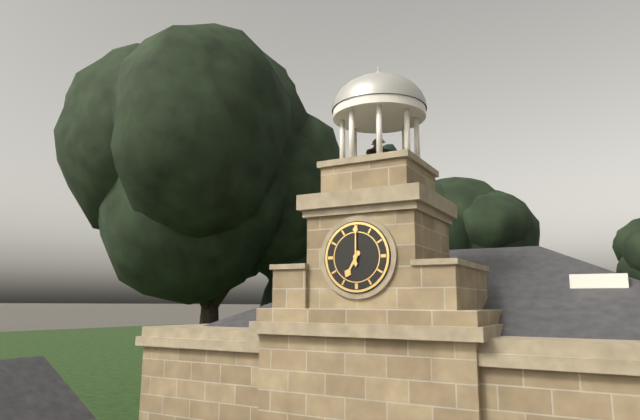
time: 7:00
